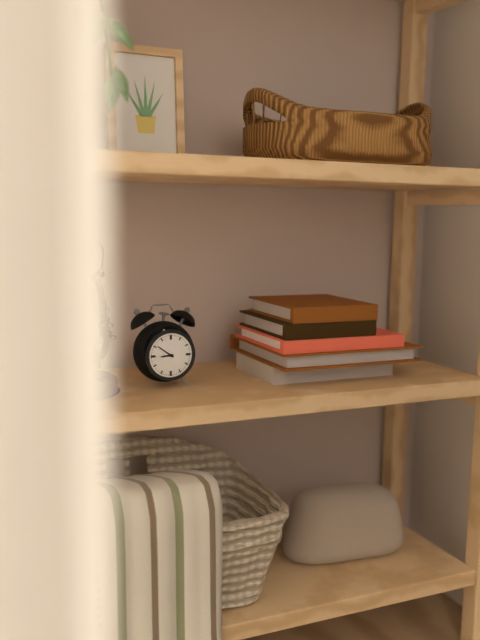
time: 8:51
